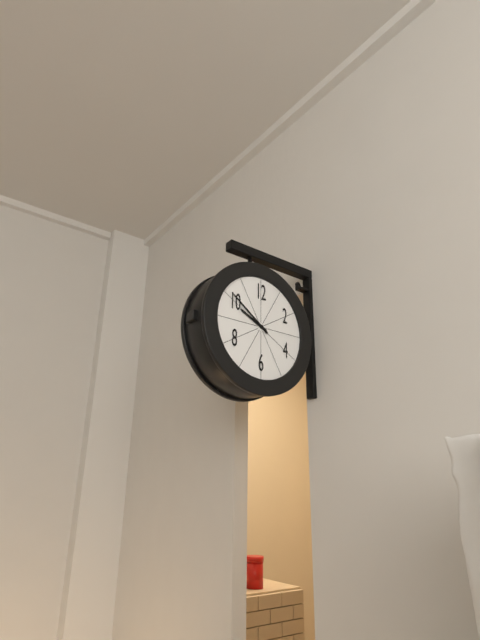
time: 9:51
